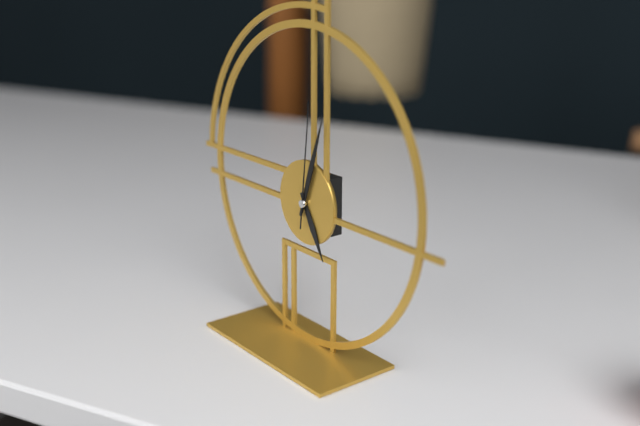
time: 5:03:01
